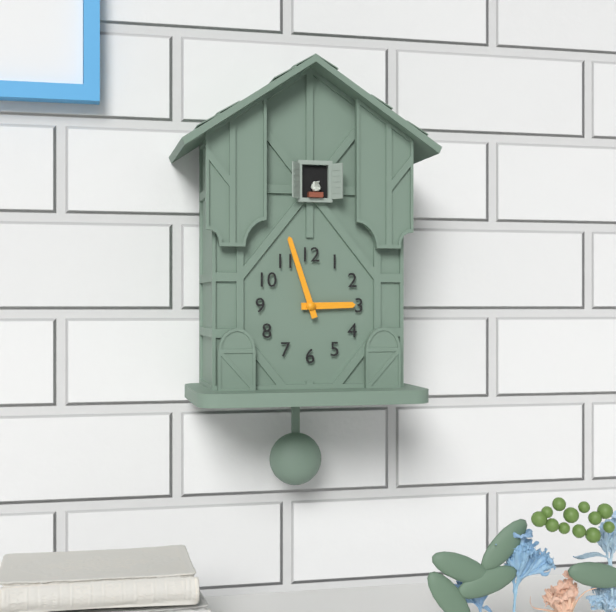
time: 2:57
